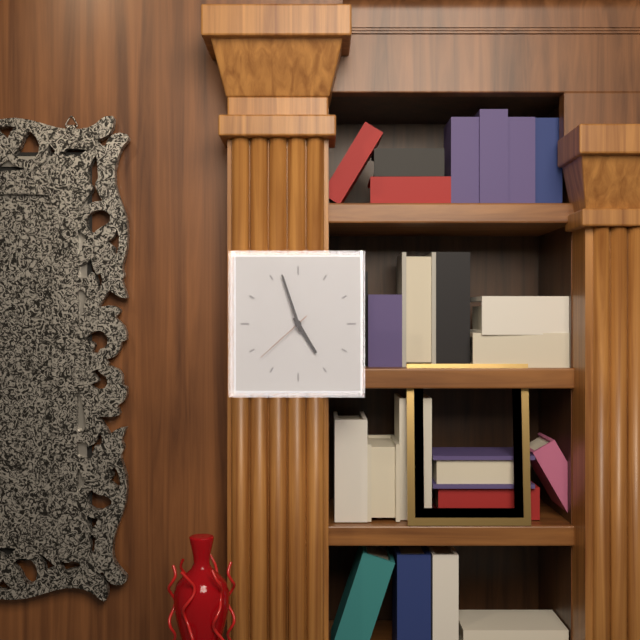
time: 4:57:38
